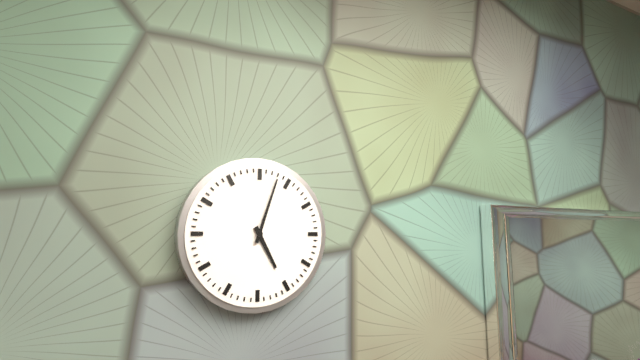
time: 5:03
